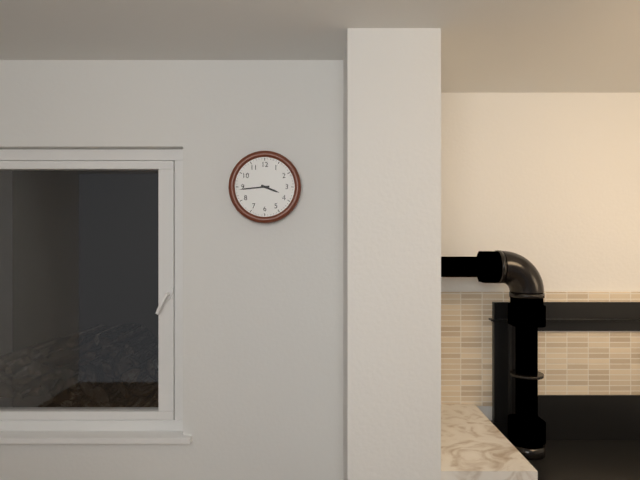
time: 3:44
